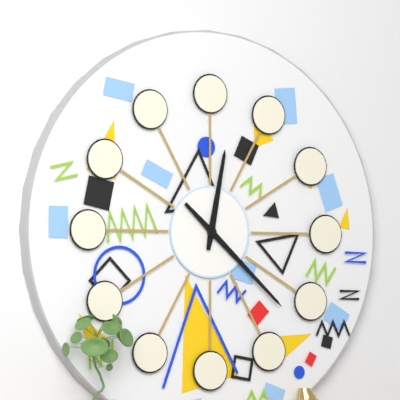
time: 12:22
